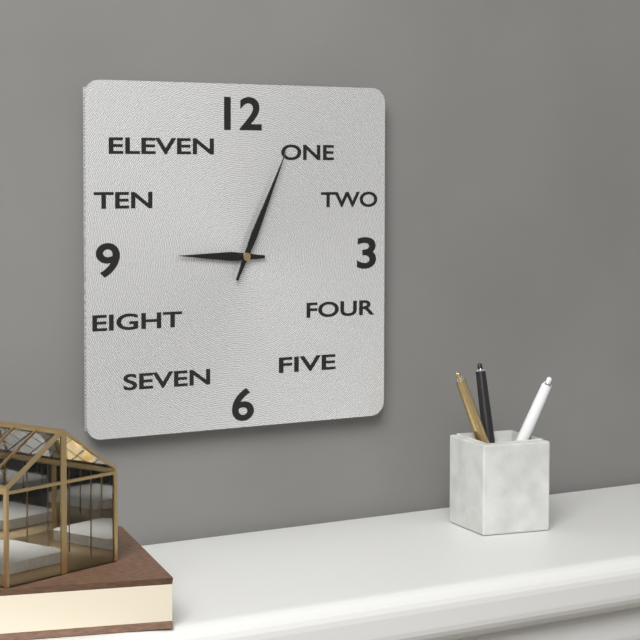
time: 9:04
